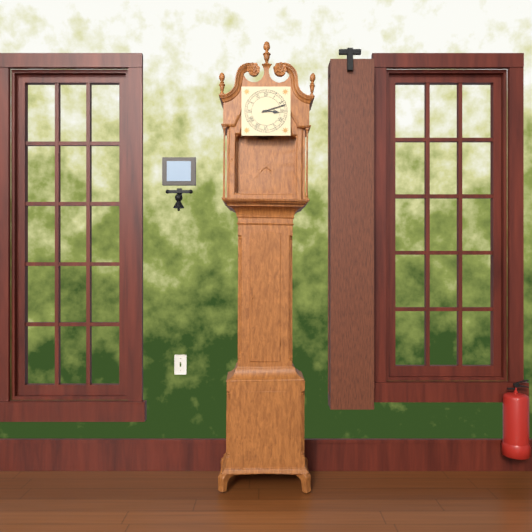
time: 3:12
